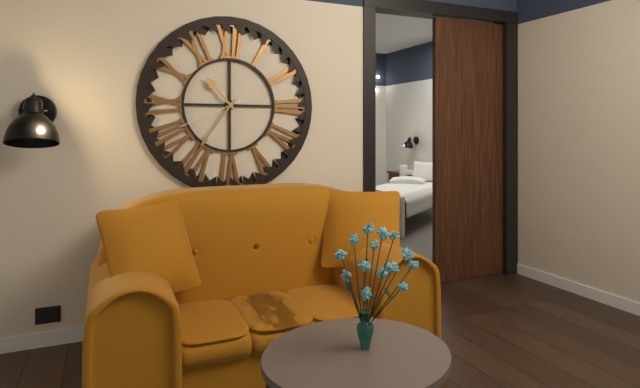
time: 10:36:41
